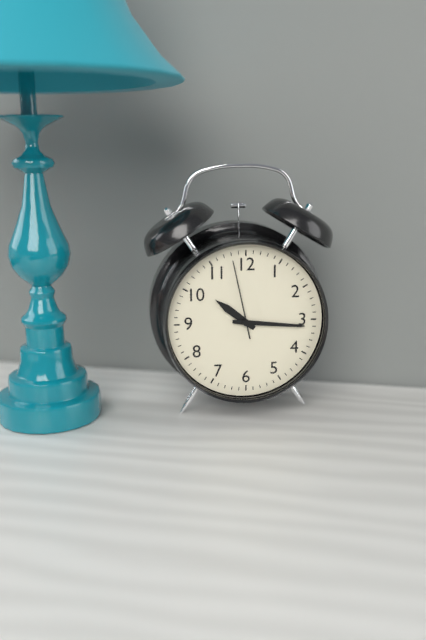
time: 10:16:58
